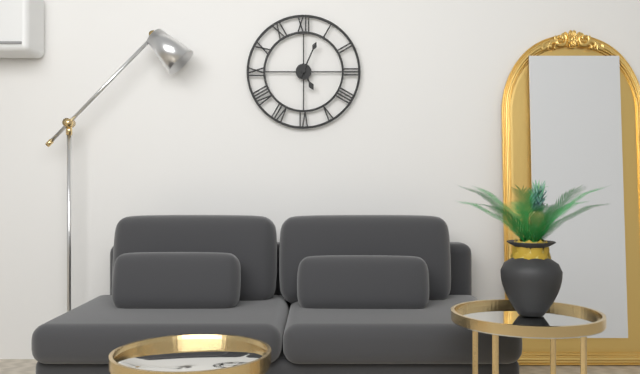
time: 5:04
